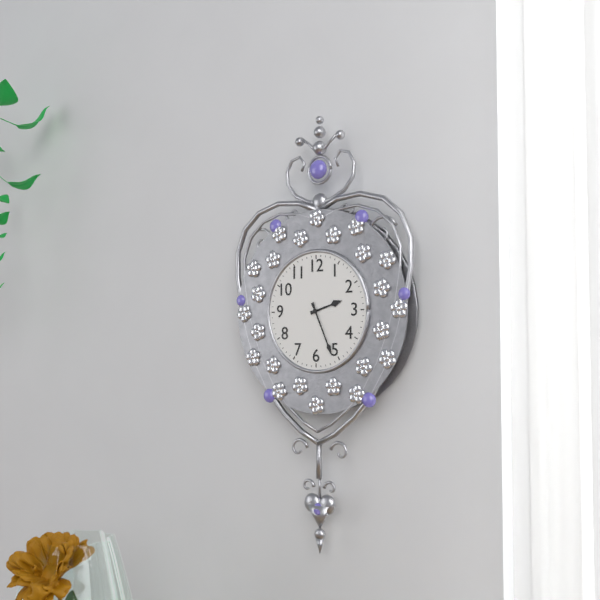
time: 2:26
